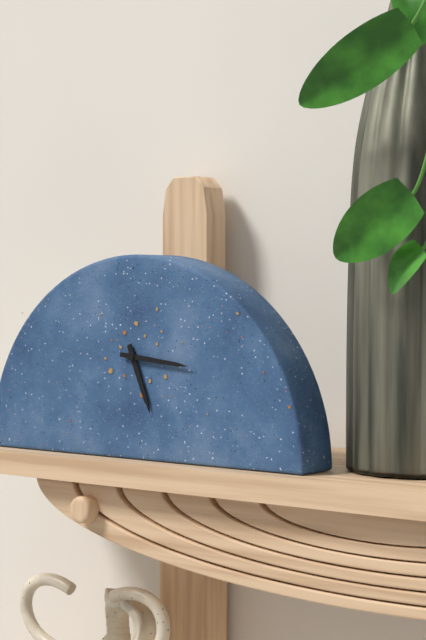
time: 5:16
